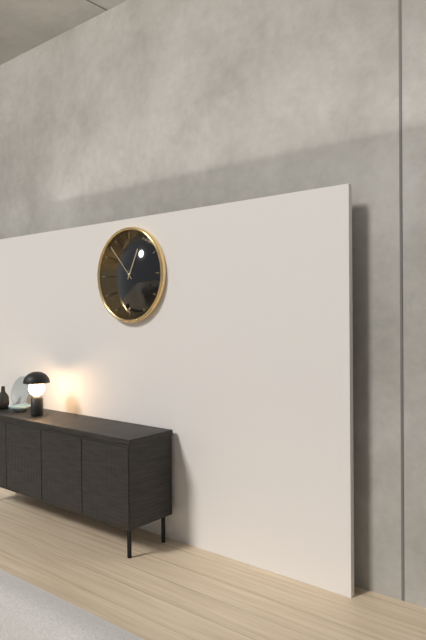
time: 12:53
